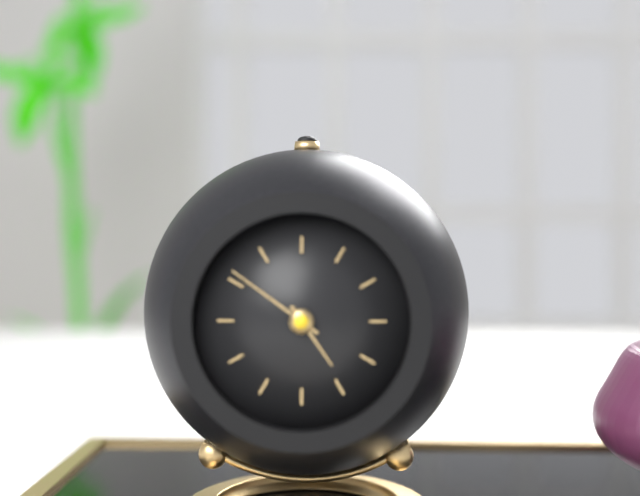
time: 4:51
